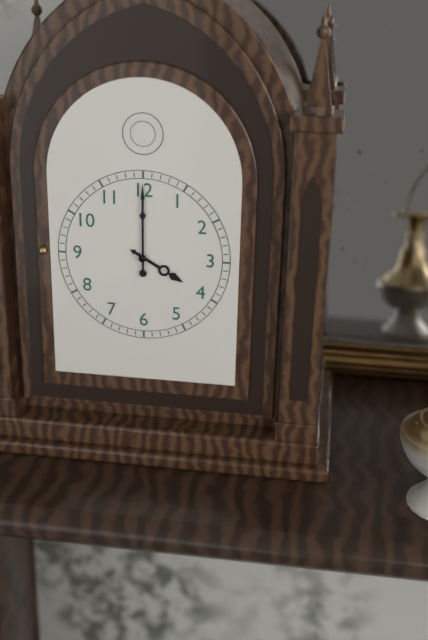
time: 4:00
